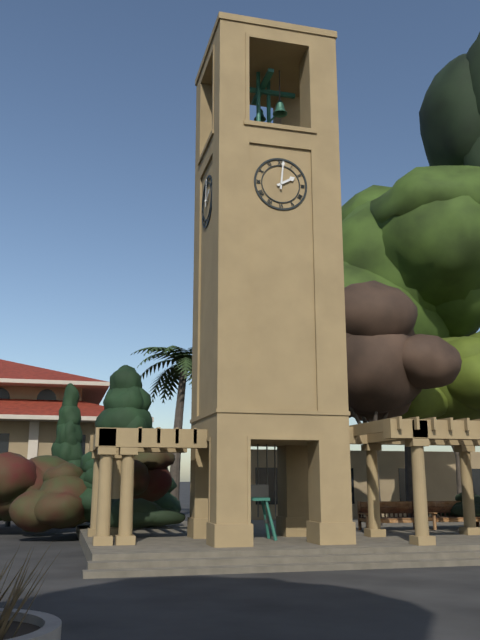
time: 2:01
